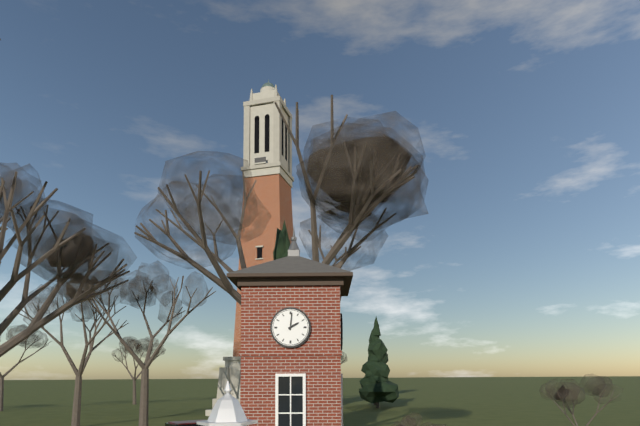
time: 2:01
